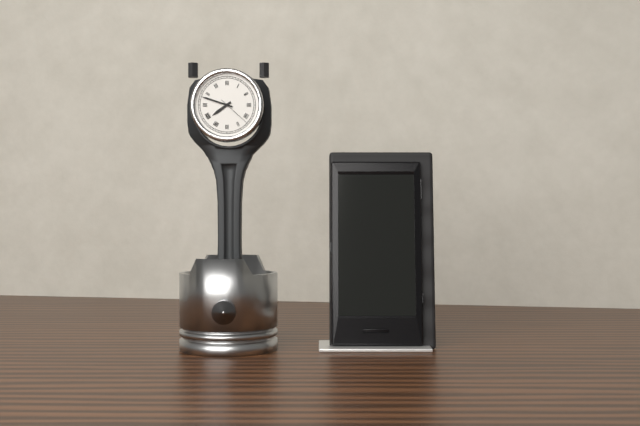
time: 7:48
